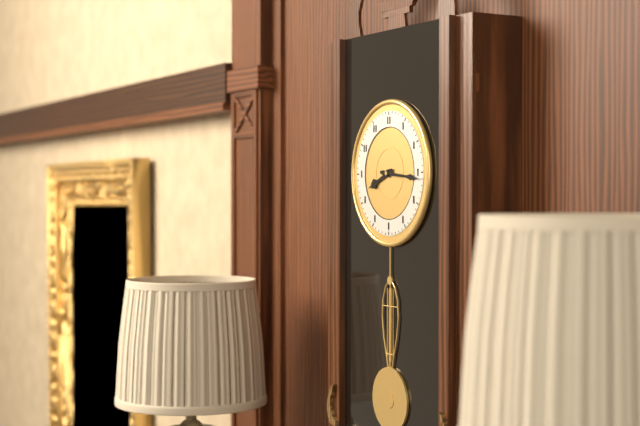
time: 8:16
